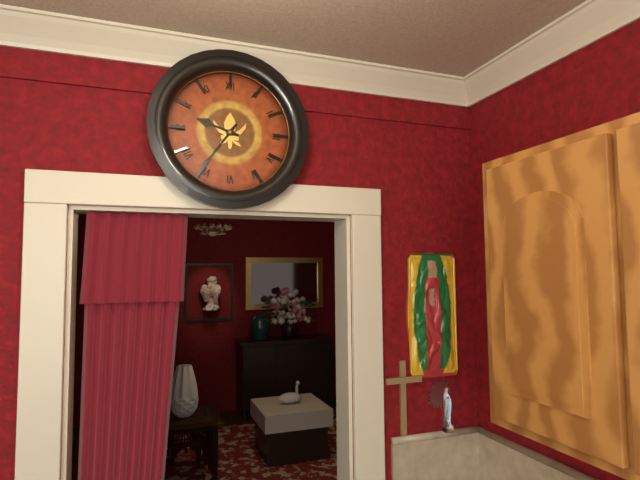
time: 9:36
